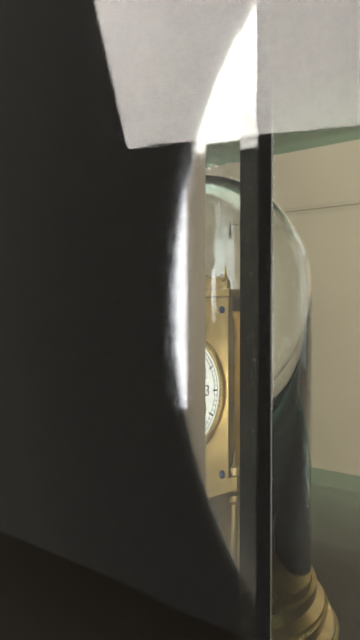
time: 10:22
